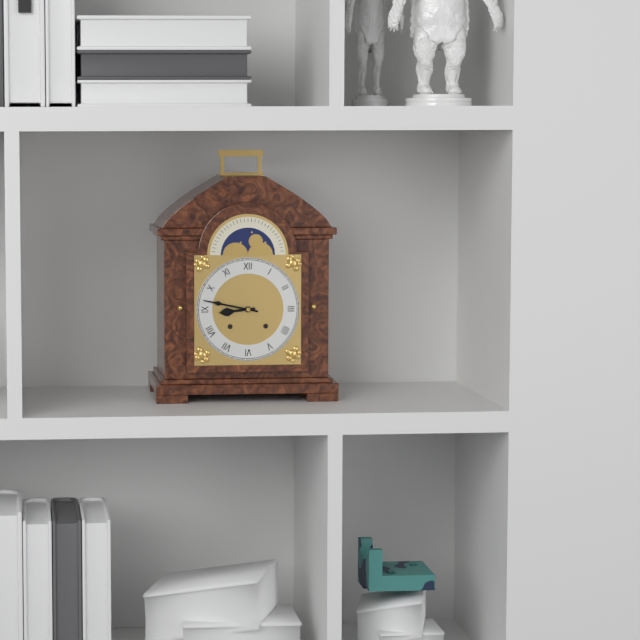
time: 8:47
